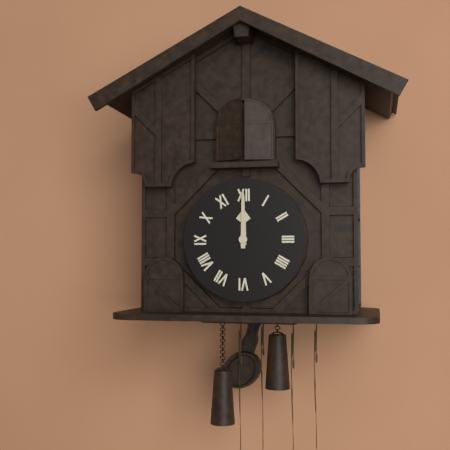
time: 12:00
